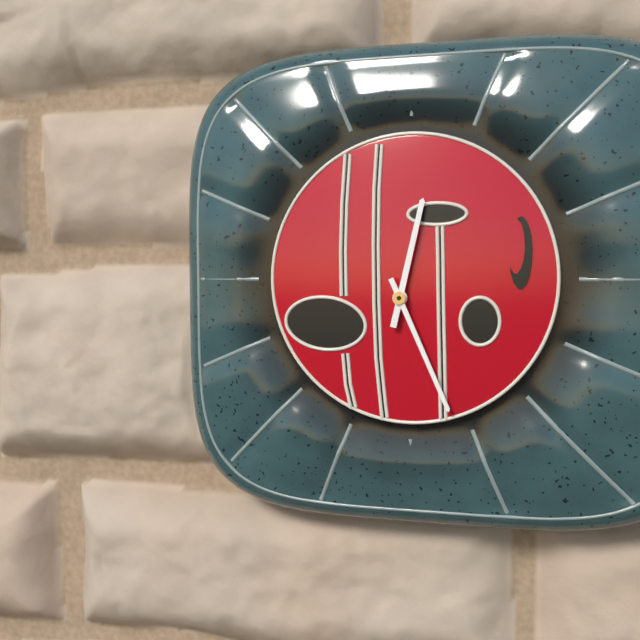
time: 12:26
